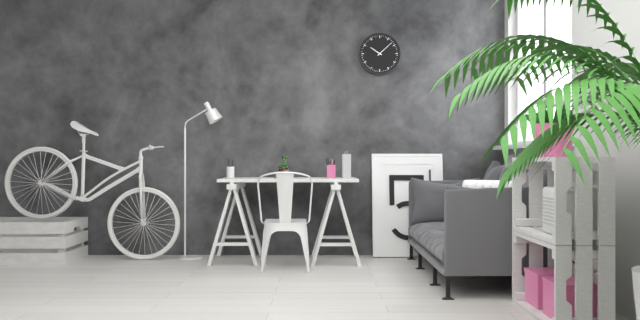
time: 10:08
